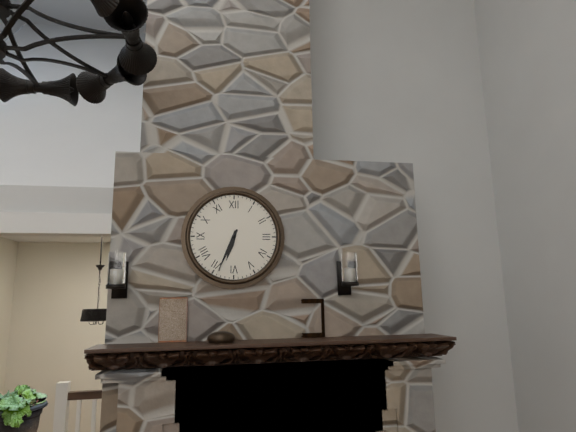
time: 6:34
